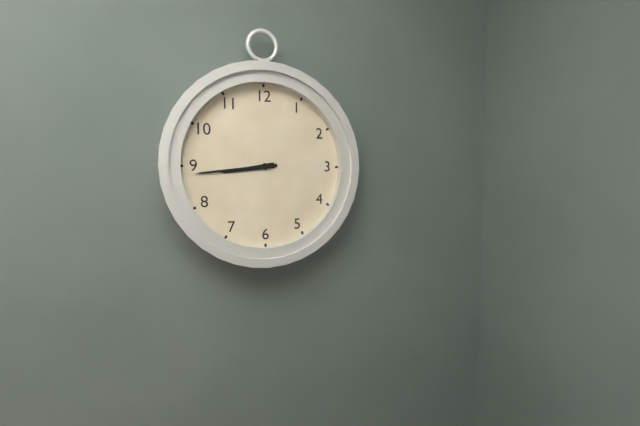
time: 8:44
